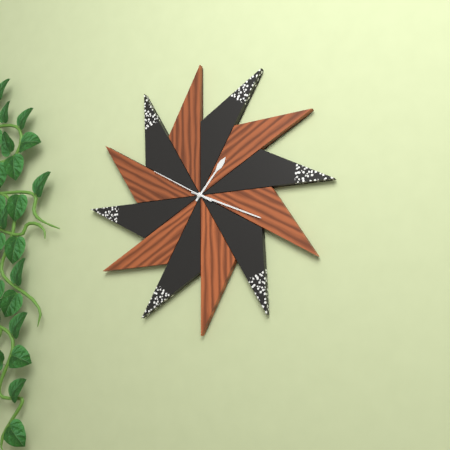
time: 1:19:50
